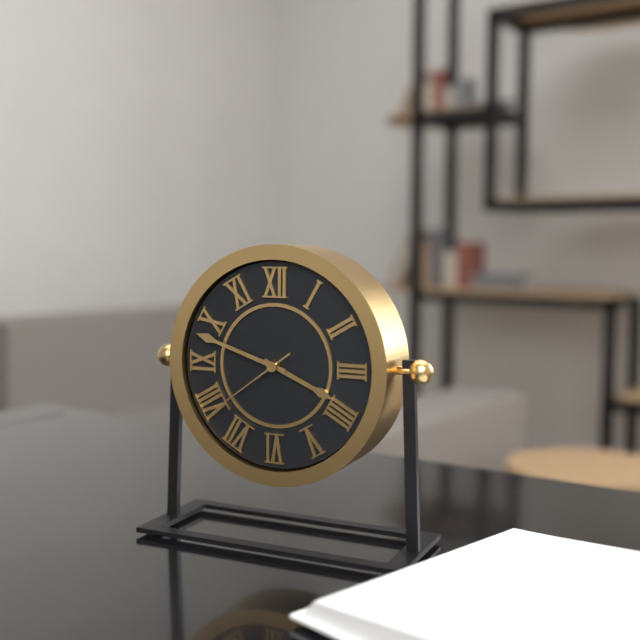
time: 3:48:39
